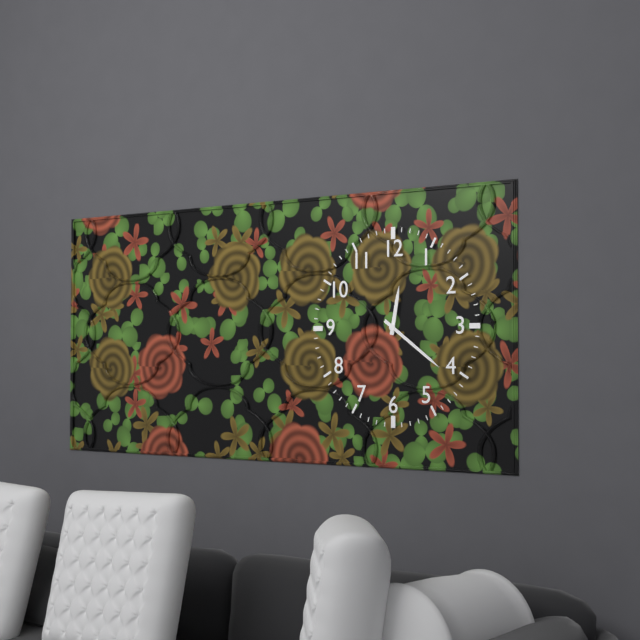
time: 12:21
